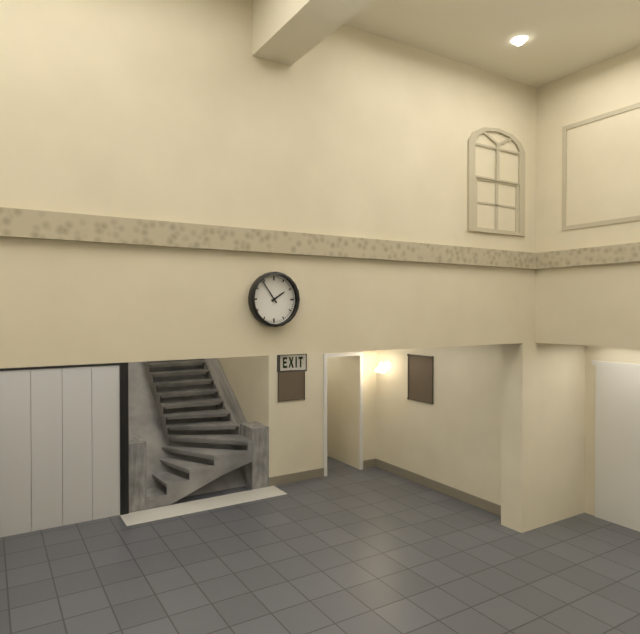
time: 1:54
